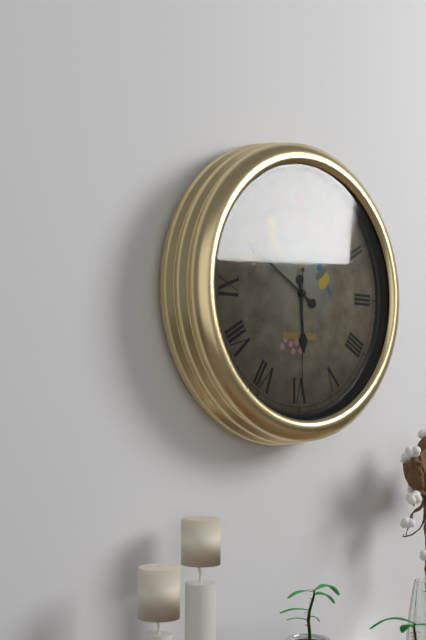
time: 5:50:30
